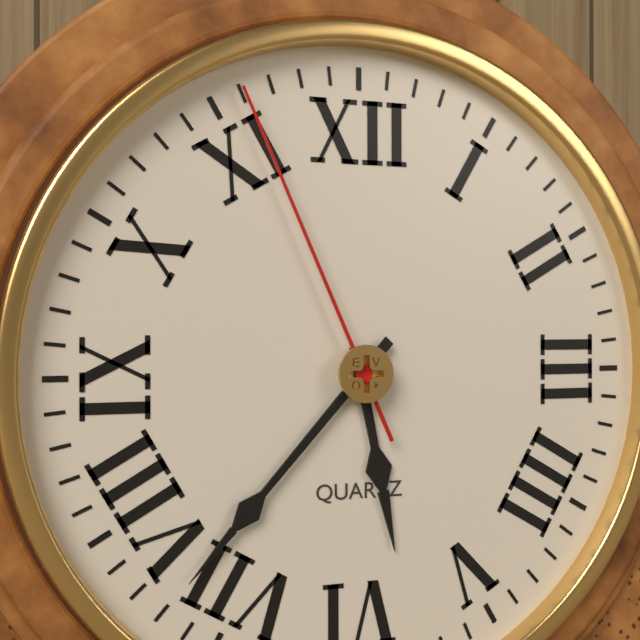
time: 5:37:56
